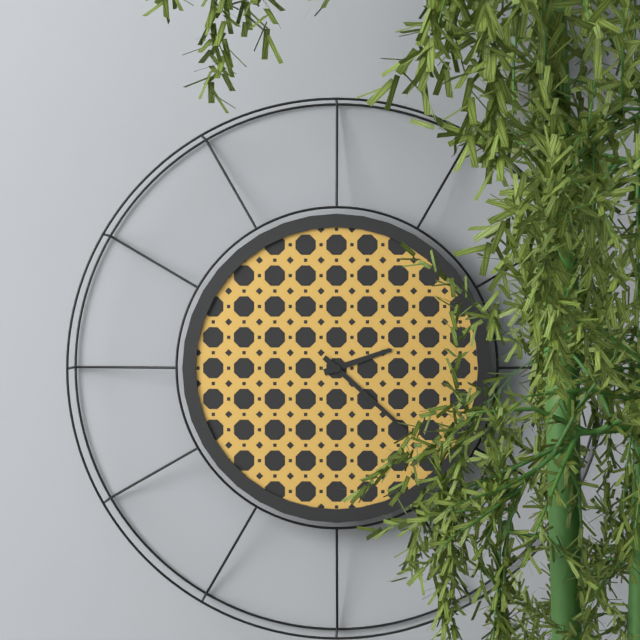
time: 2:22
